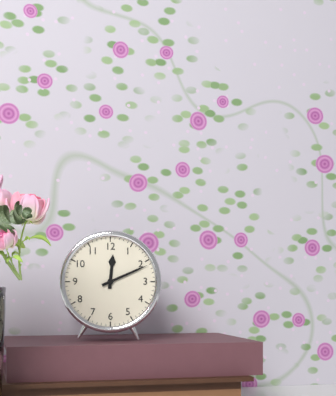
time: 12:11
